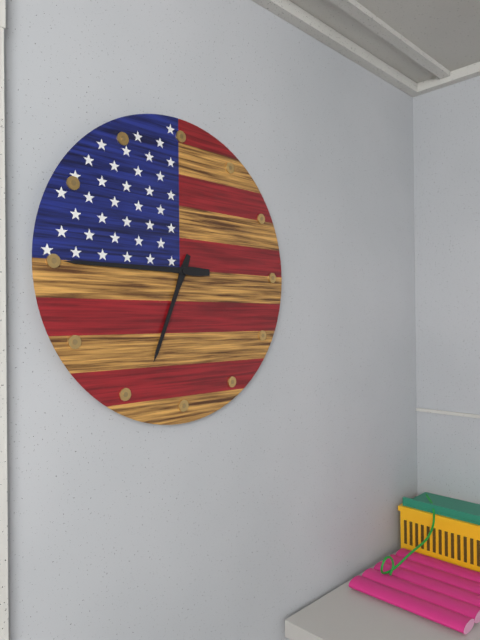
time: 6:45
